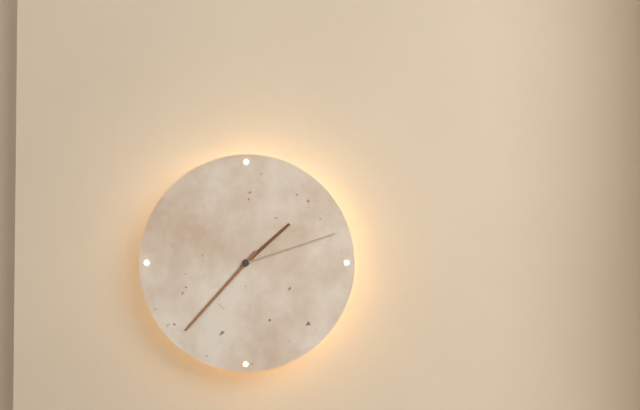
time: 1:37:12
